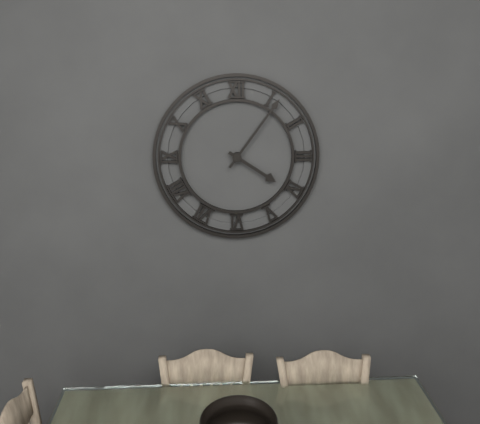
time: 4:06
